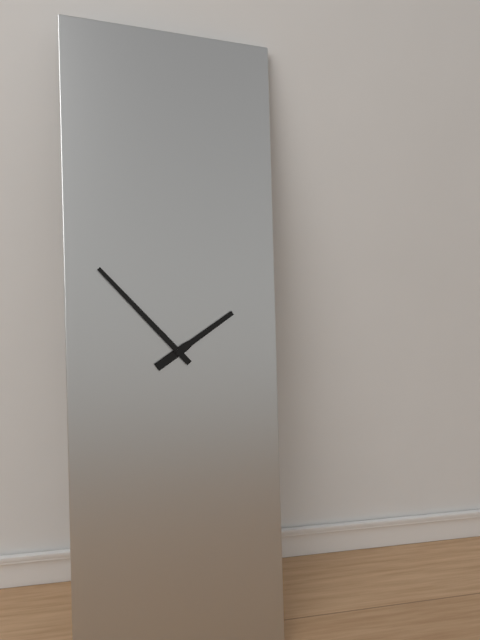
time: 1:53
